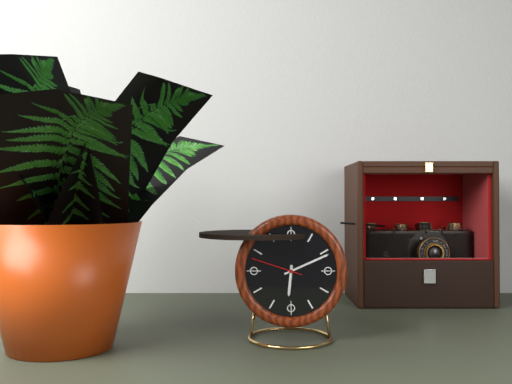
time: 6:11:48
